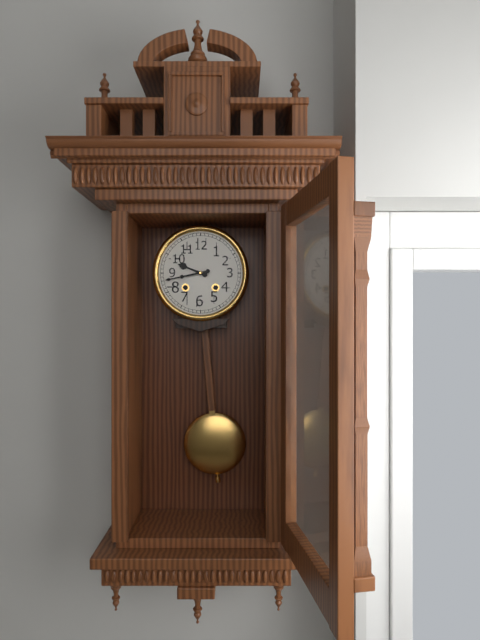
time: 9:43
